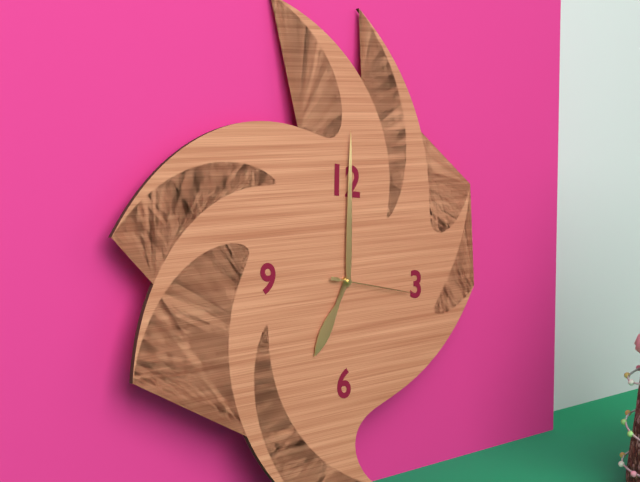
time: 7:00:16
